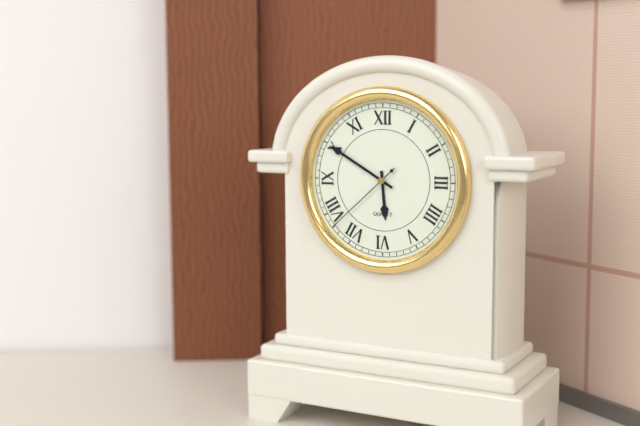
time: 5:50:38
